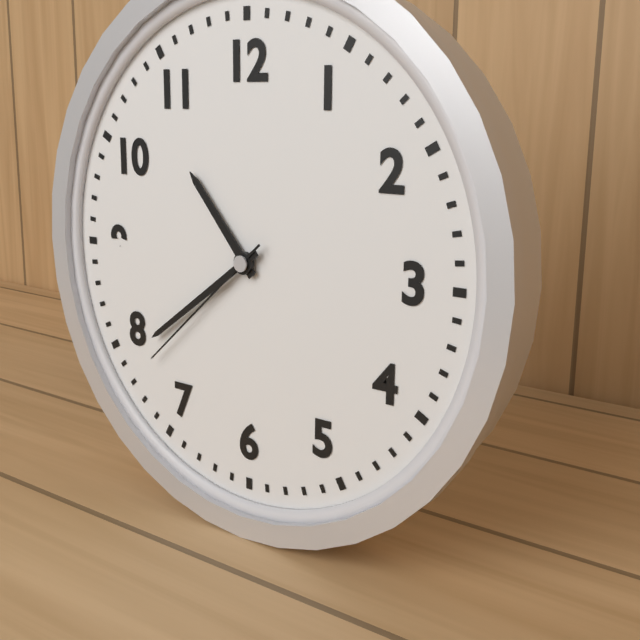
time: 10:39:38
